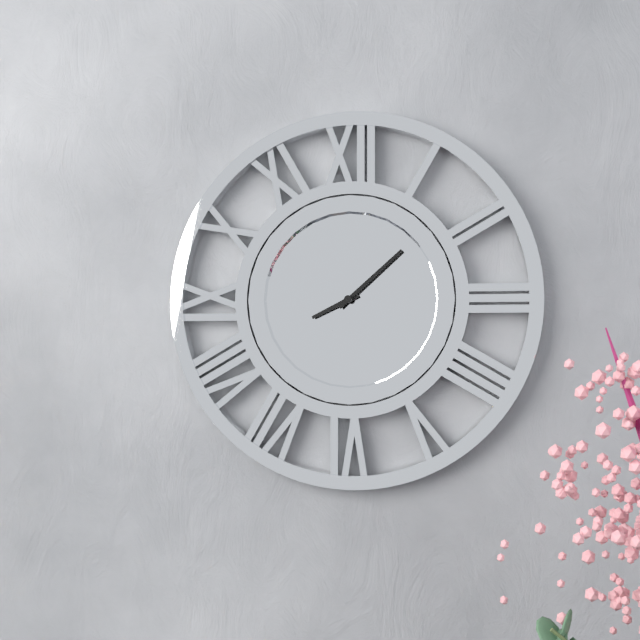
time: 8:08
